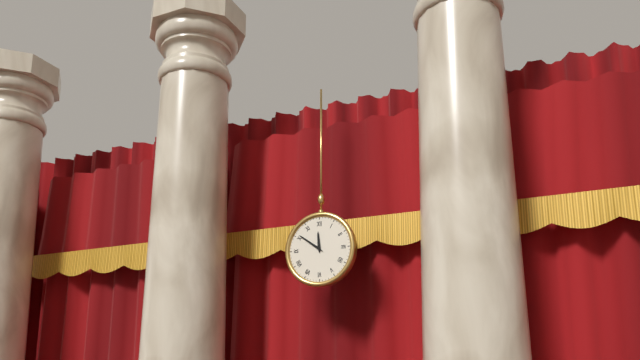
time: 11:51
